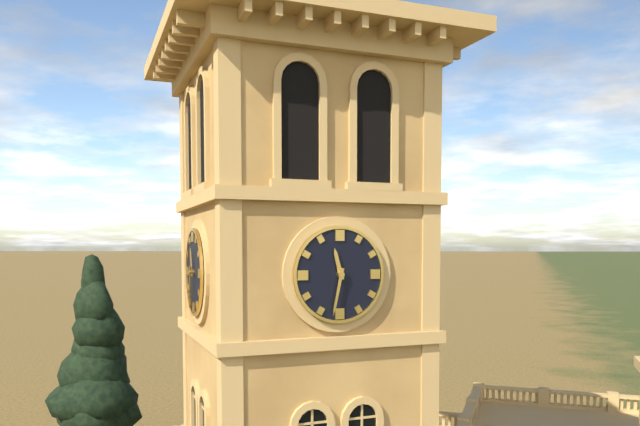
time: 11:32
